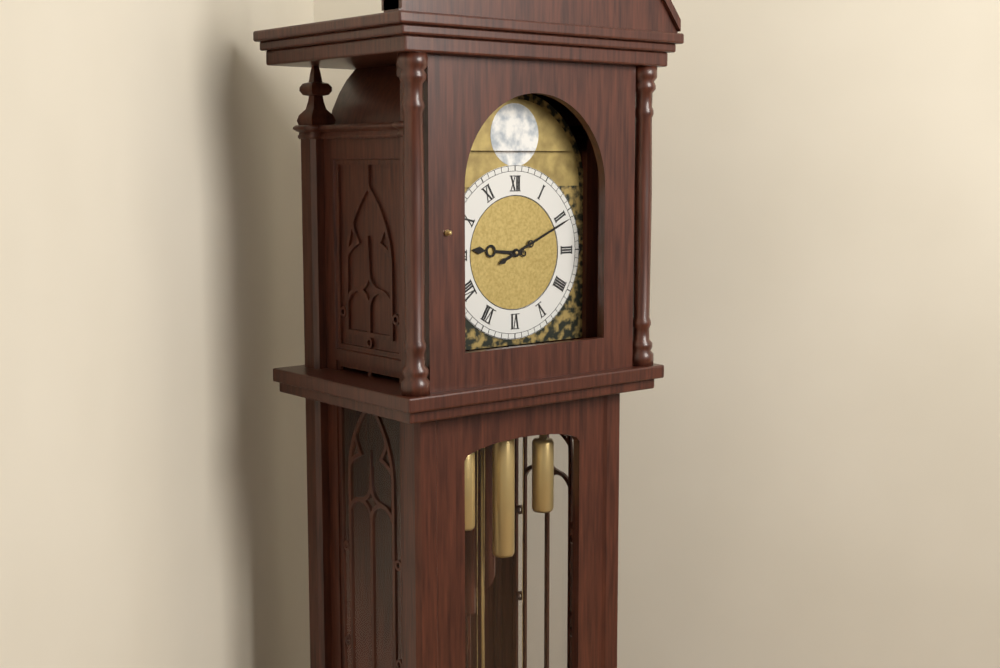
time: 9:11
